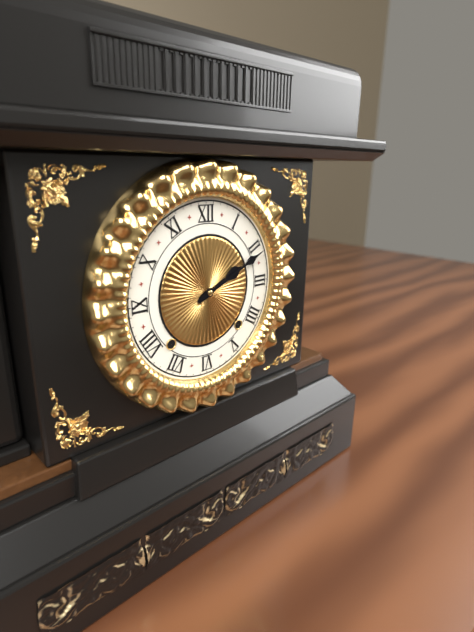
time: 2:11
